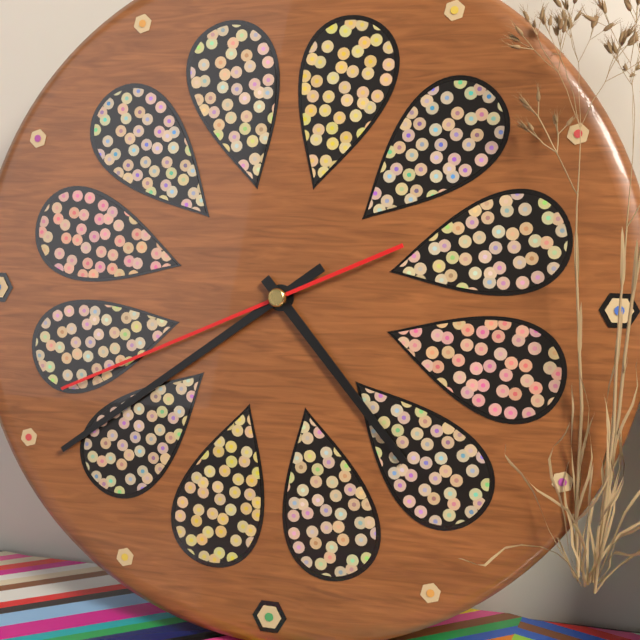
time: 4:39:41
